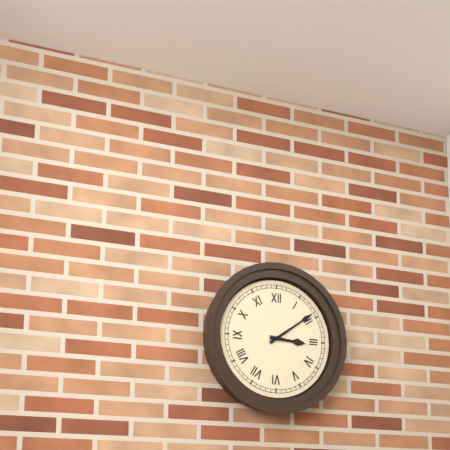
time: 3:09
